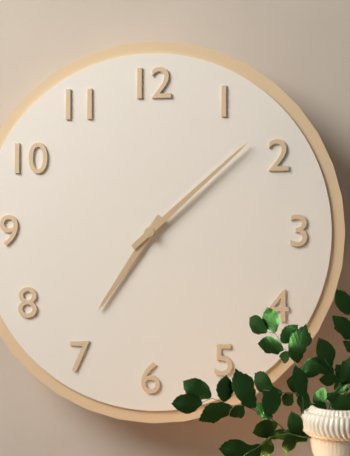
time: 7:08
